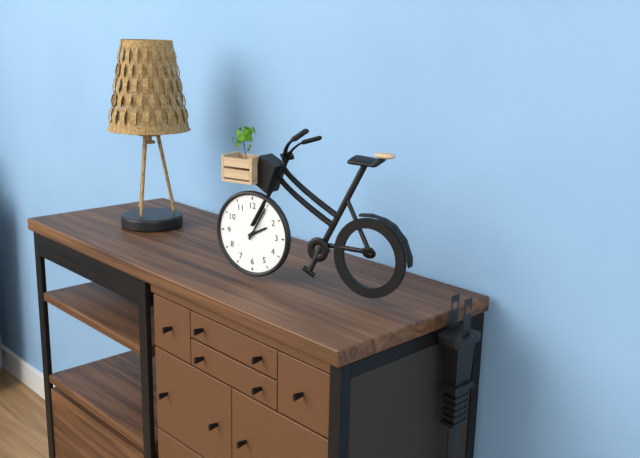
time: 2:05
